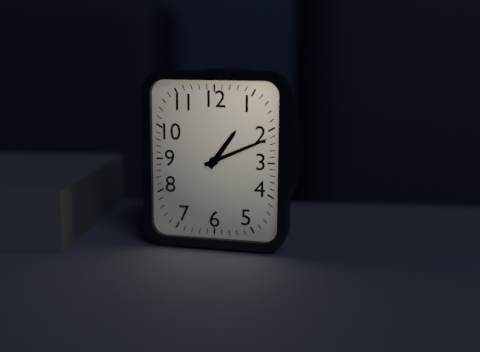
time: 1:11
